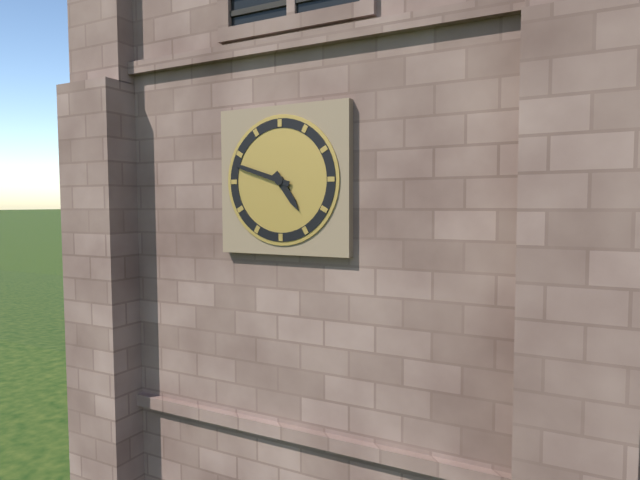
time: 4:48
